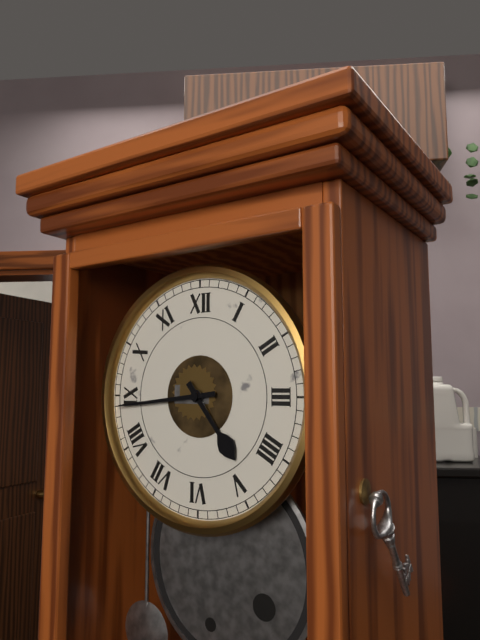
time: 4:44
